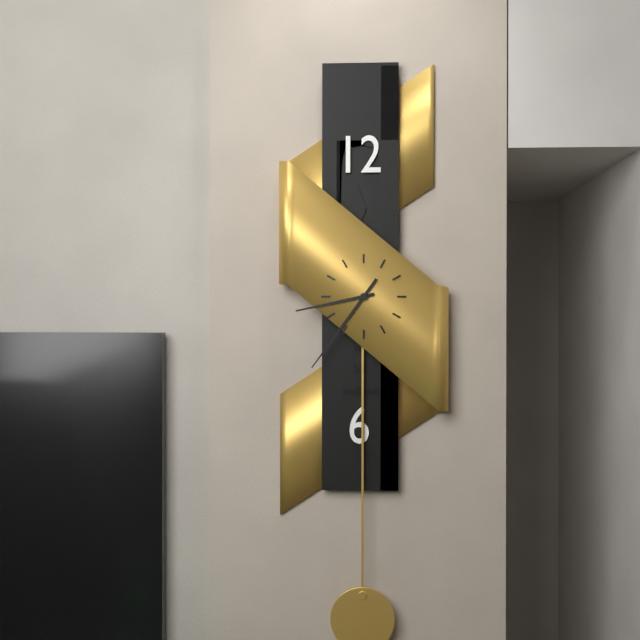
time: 8:36
